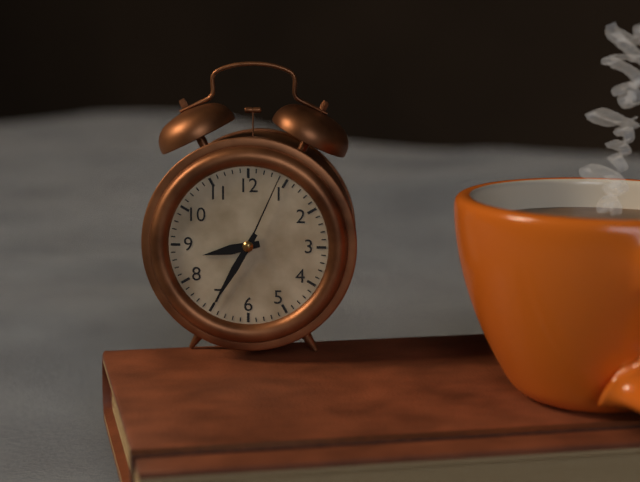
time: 8:35:04
